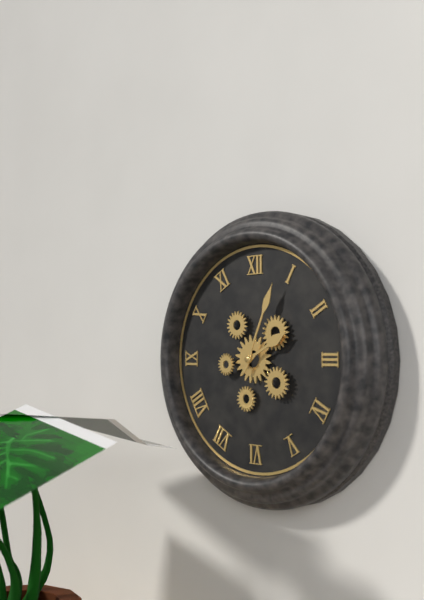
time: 2:04
